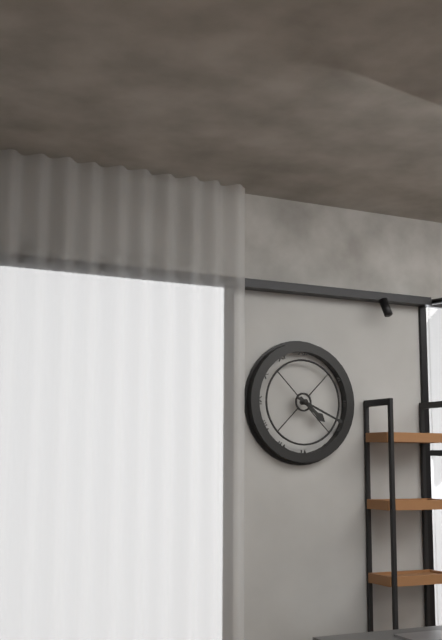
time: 4:19
